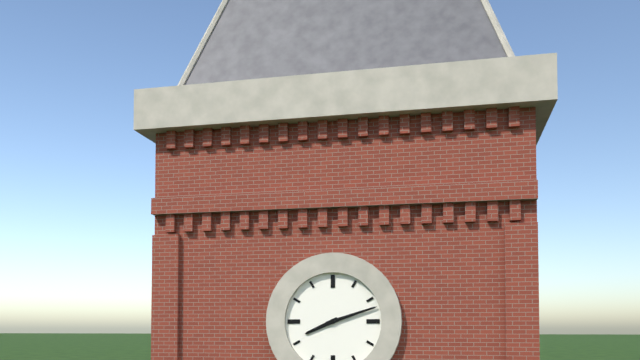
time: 8:12
